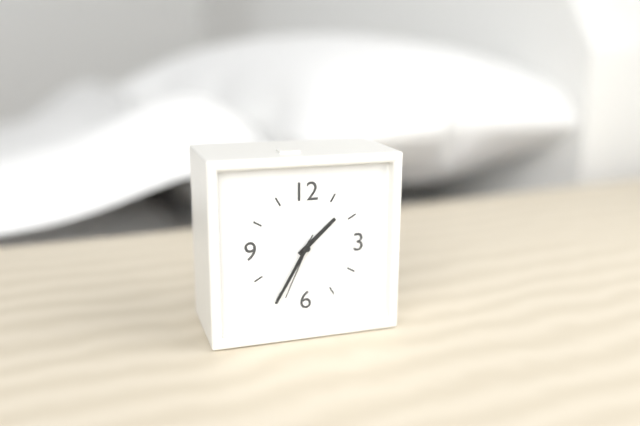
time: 1:35:34
